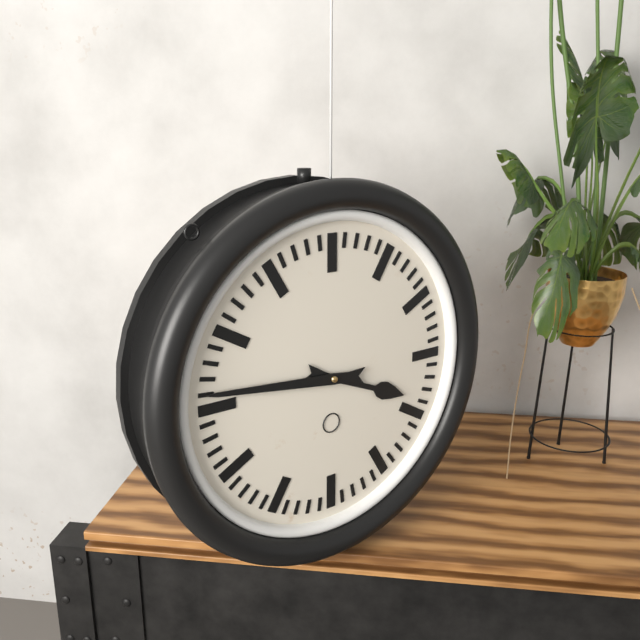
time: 3:46
